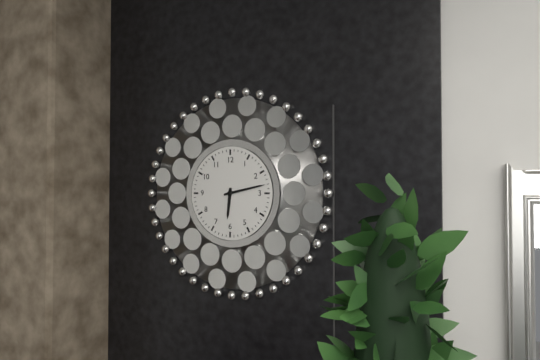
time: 6:13
